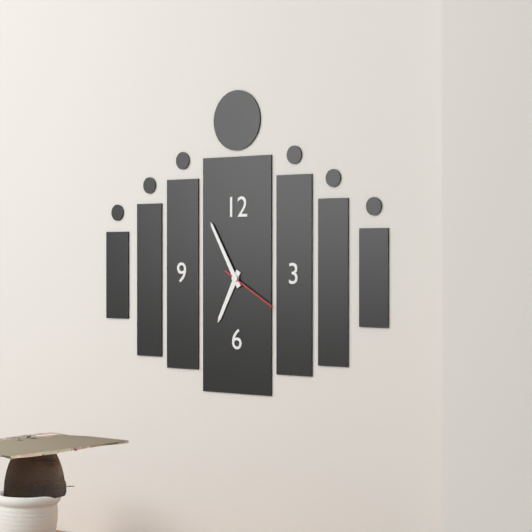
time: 6:55:20
